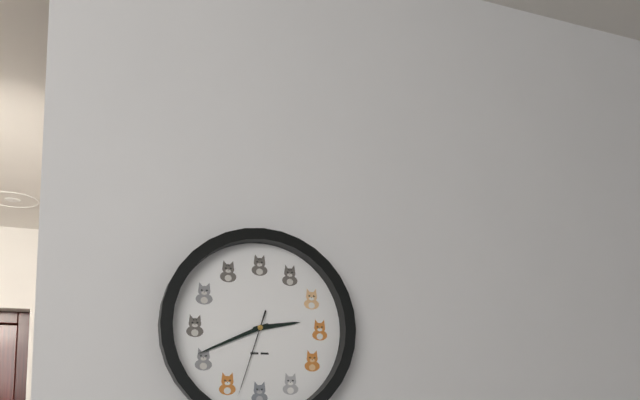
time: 2:41:33
